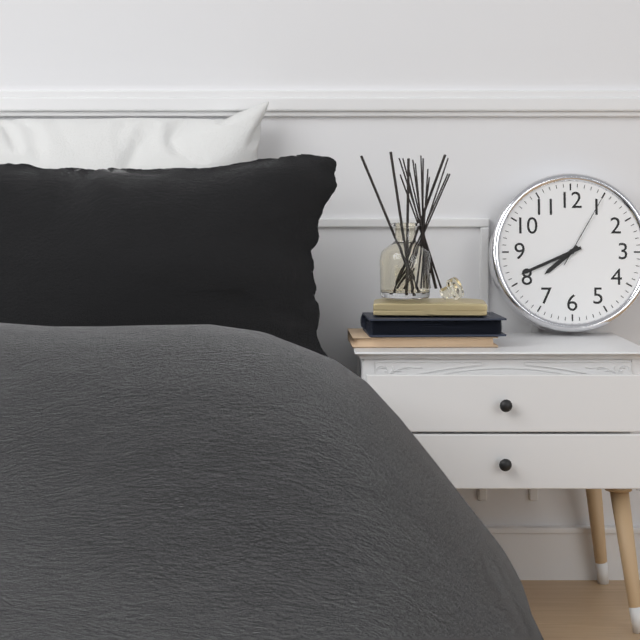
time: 7:41:05
